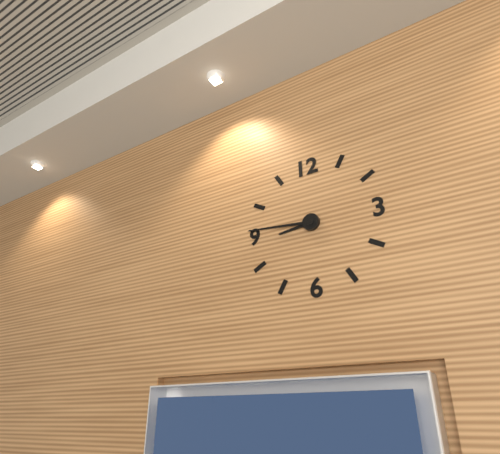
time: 8:46
